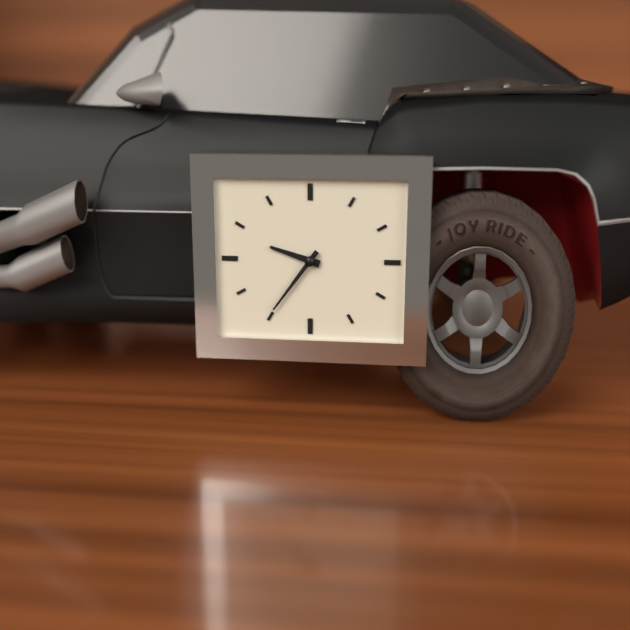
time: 9:36
